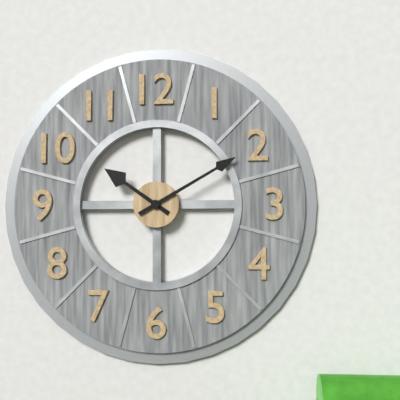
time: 10:10
